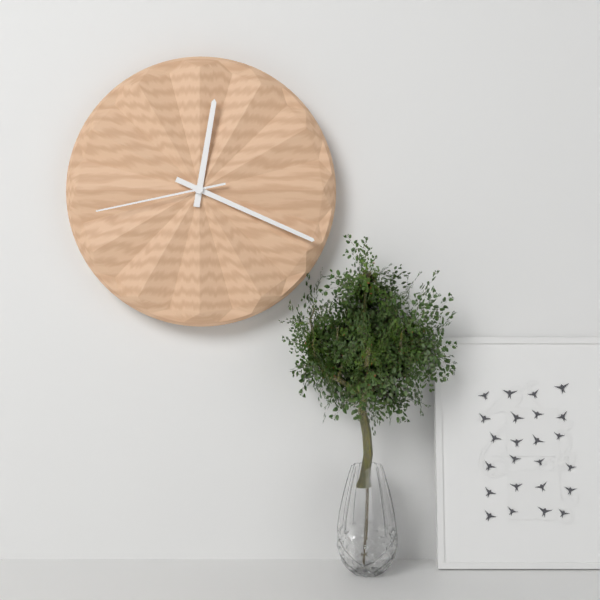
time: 12:19:43
